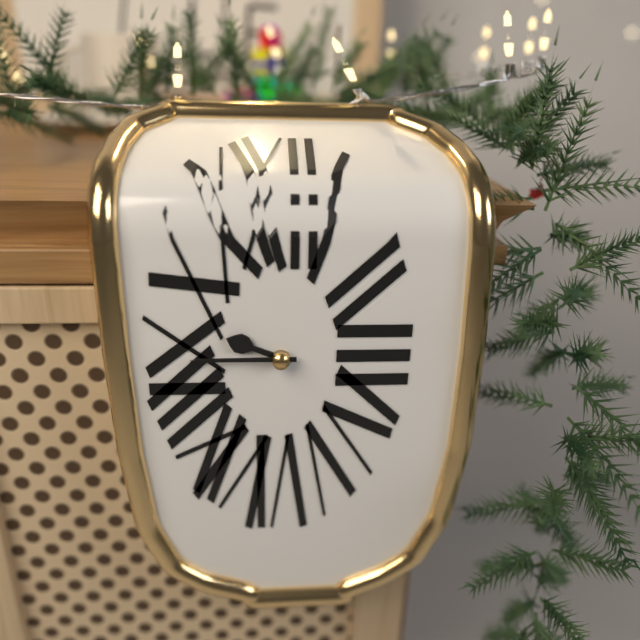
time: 9:45
